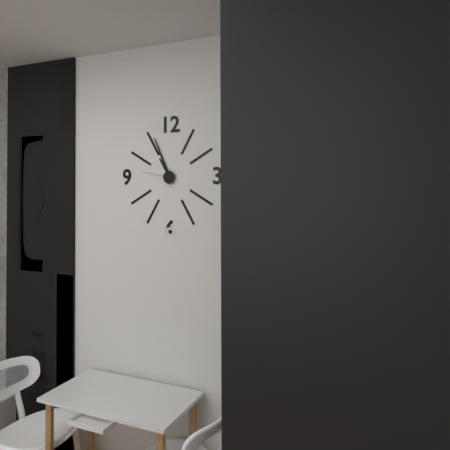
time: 10:56
